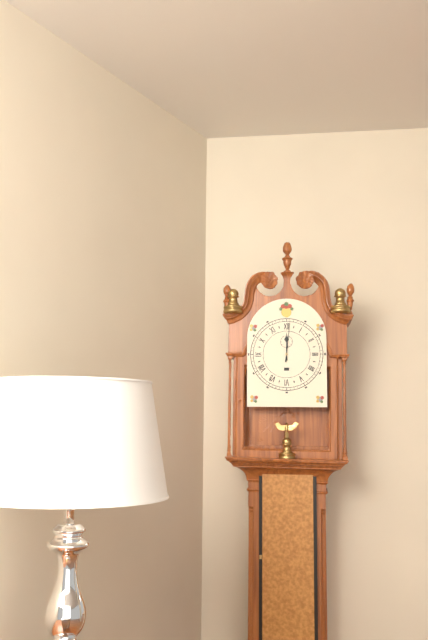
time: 12:01
